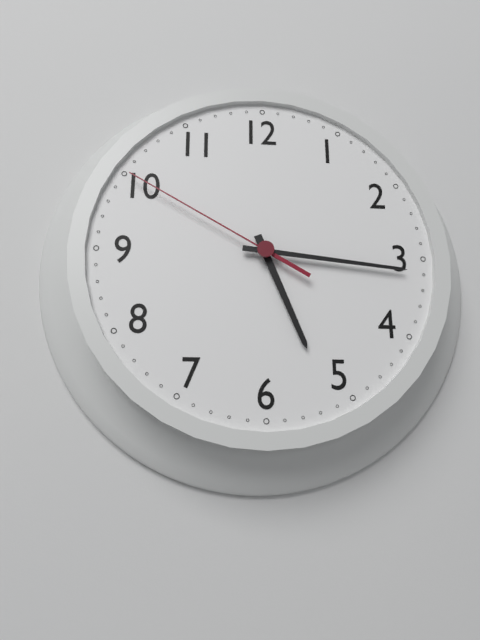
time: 5:16:50
